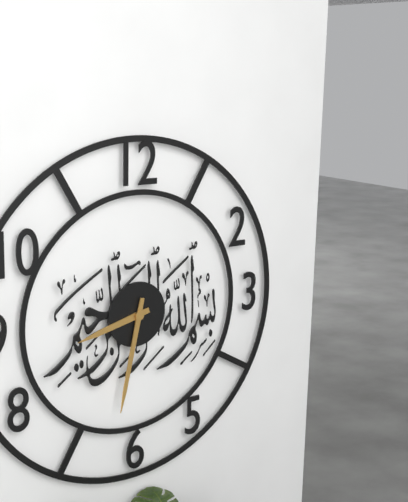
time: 8:32
